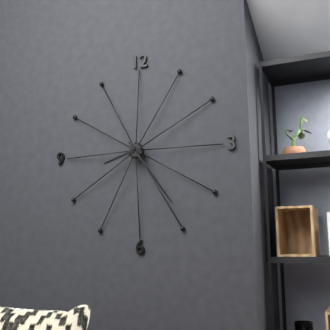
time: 8:24
